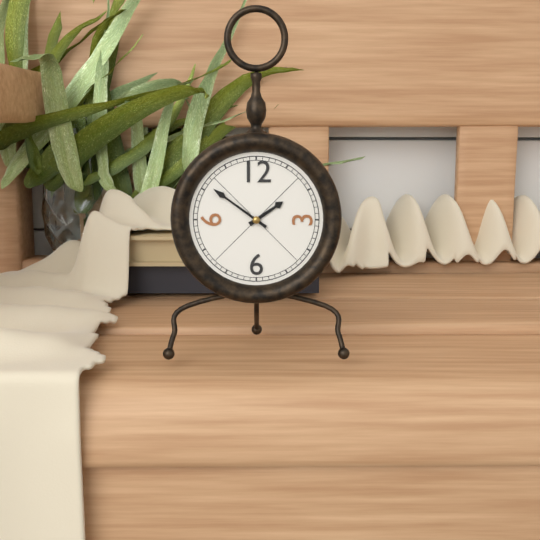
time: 1:51
